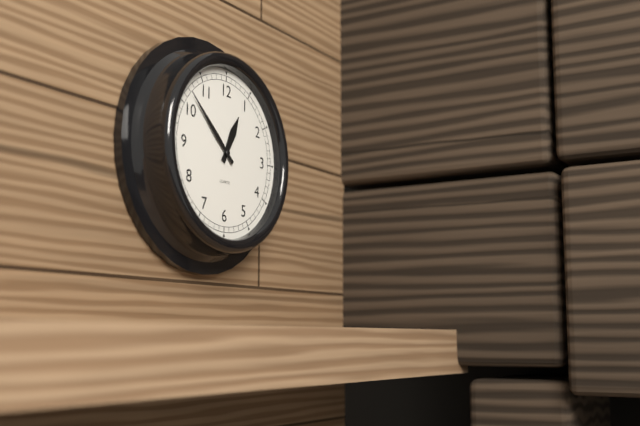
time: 12:52
